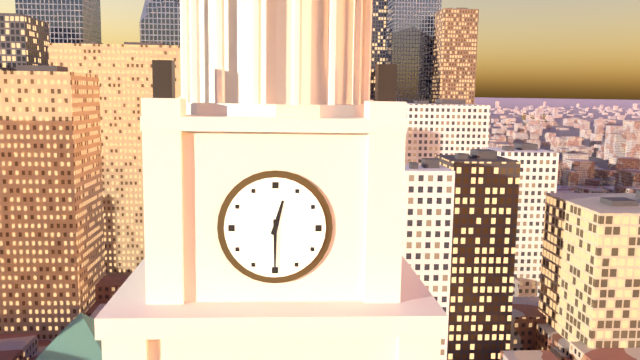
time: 12:30
